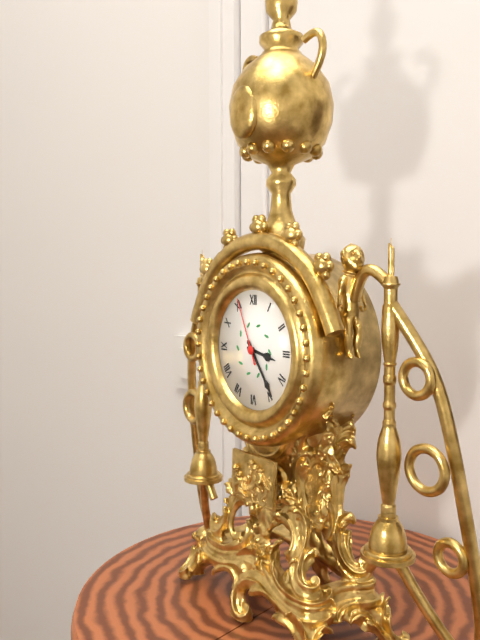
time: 3:24:56
